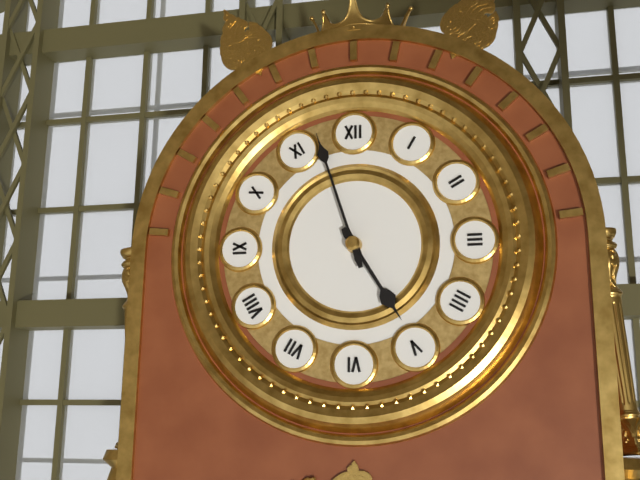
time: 4:57
